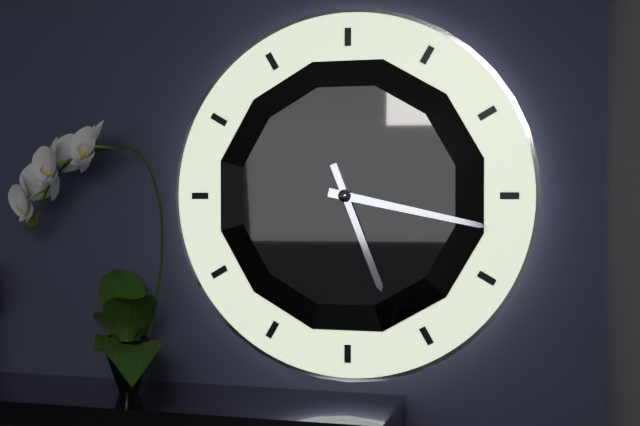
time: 5:17
